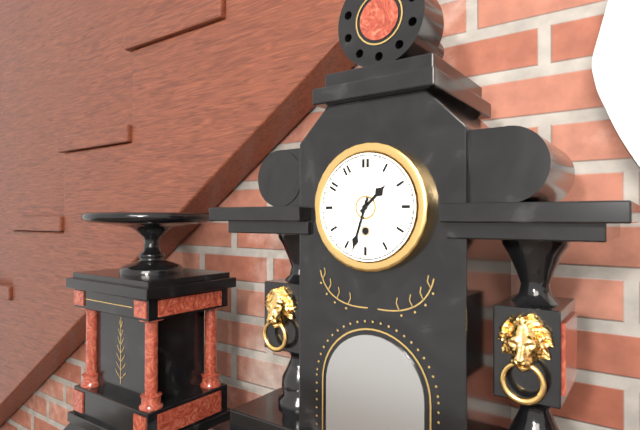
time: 1:33
